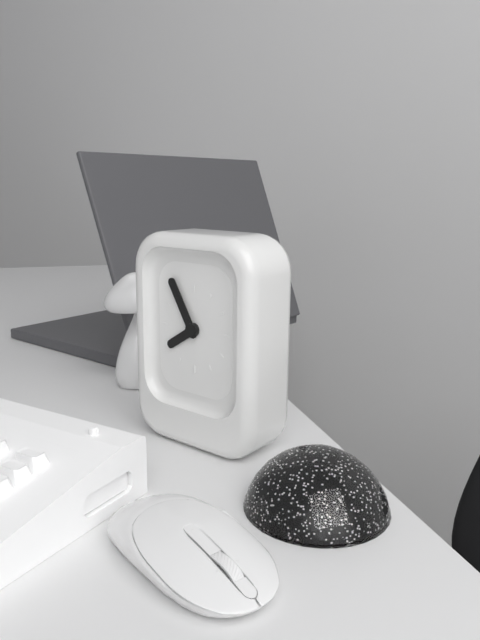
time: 7:55
